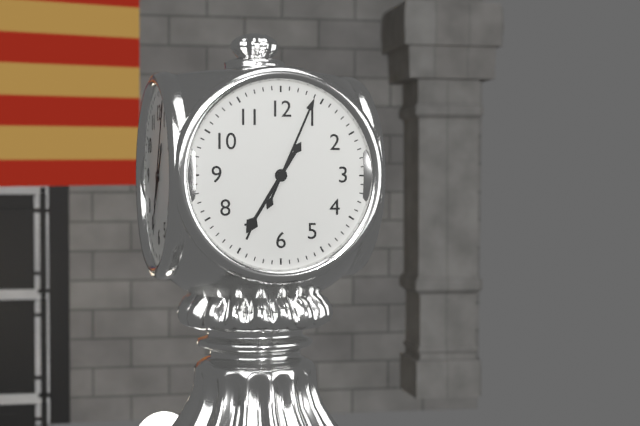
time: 7:04
